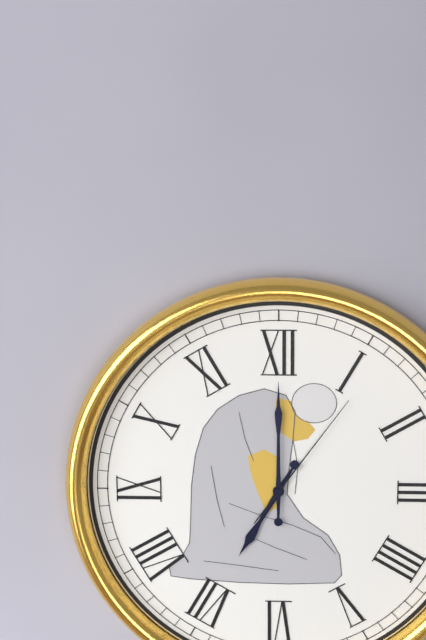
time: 7:00:06
